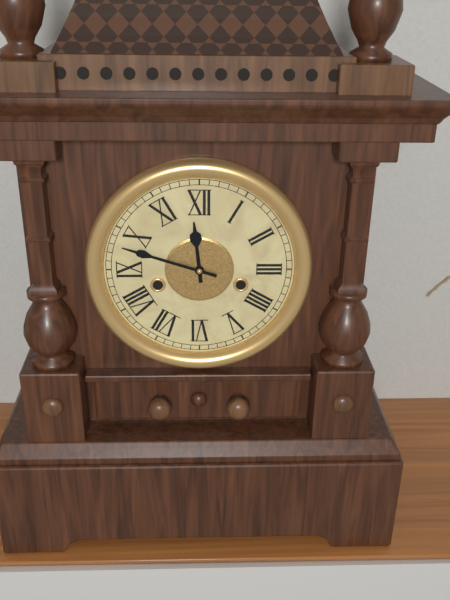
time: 11:48
